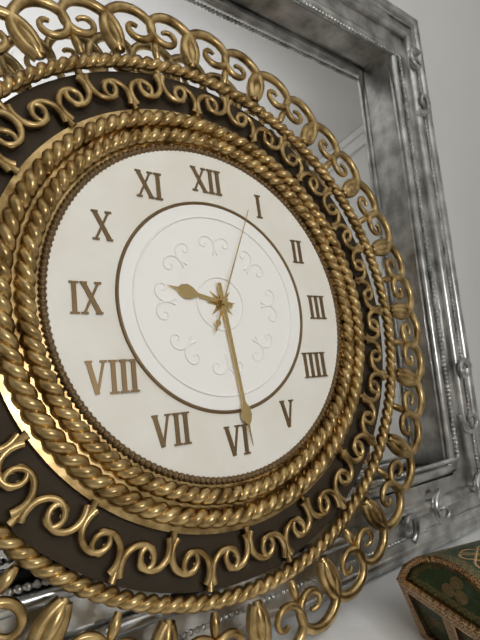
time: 9:29:04
